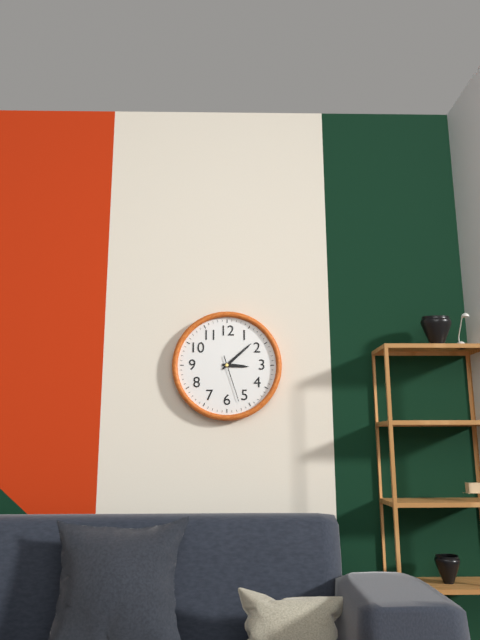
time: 3:08
